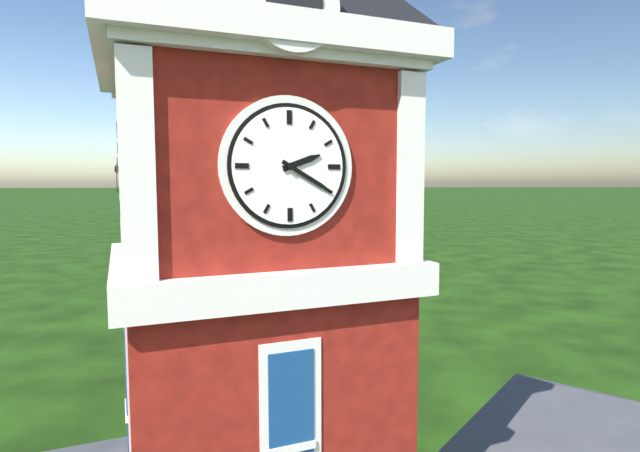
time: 2:20
